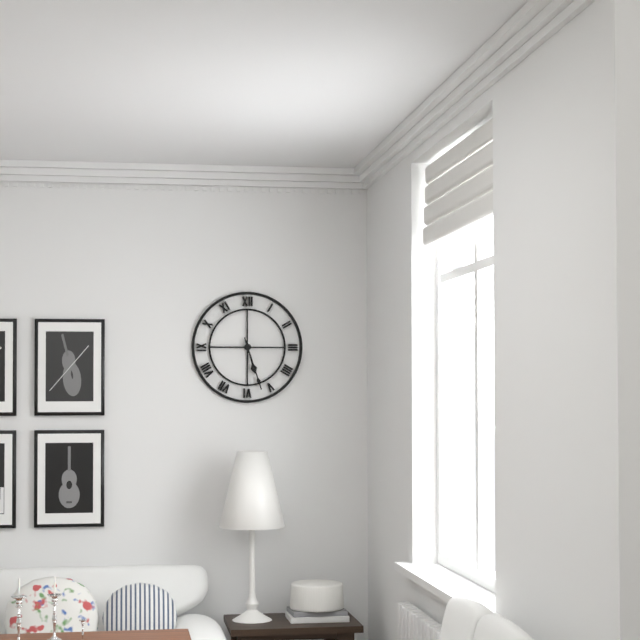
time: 5:27
